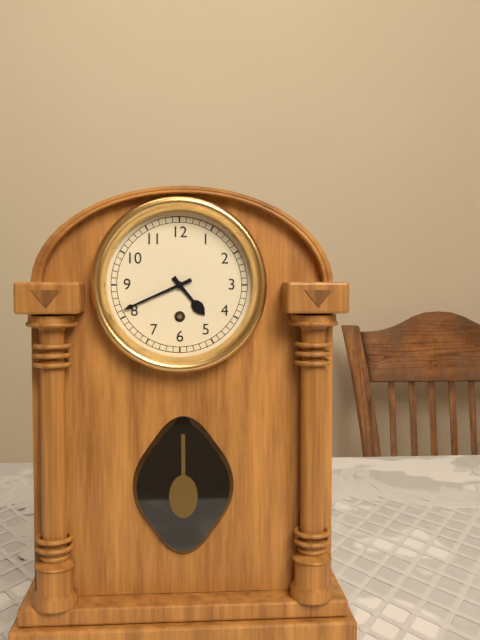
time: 4:41
